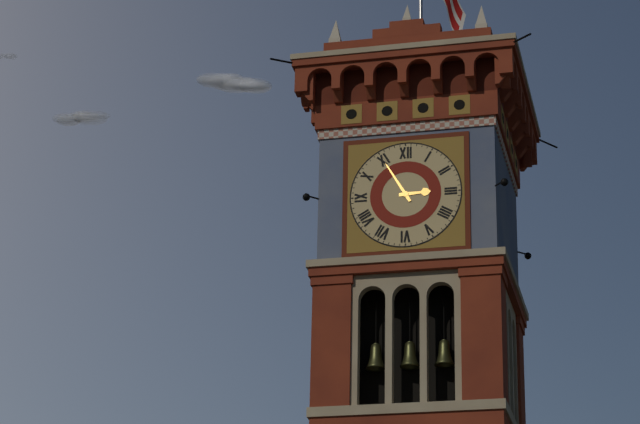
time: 2:55
